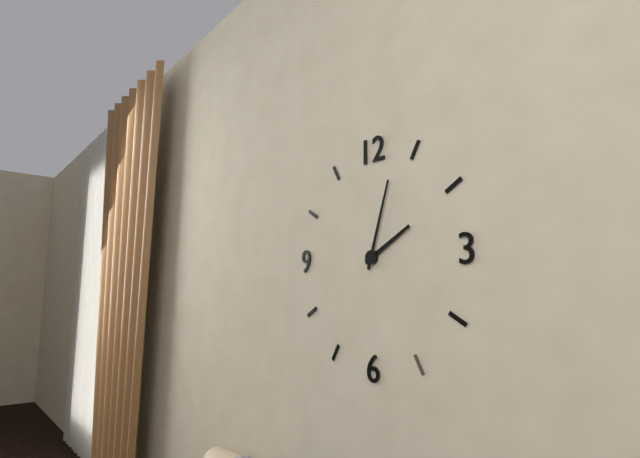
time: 2:03
